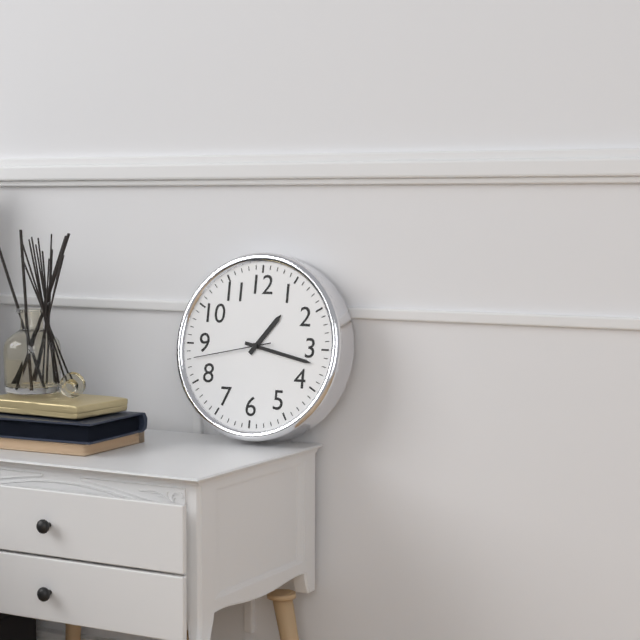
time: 1:17:43
